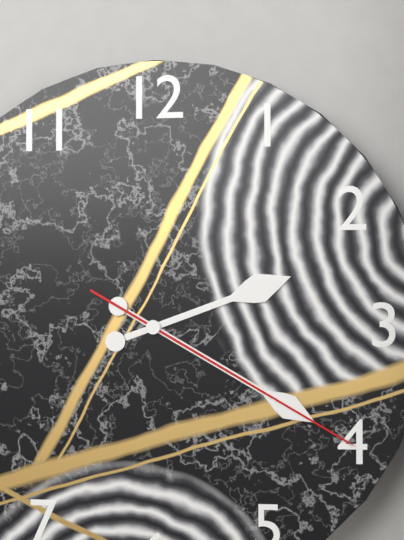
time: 2:20:20
